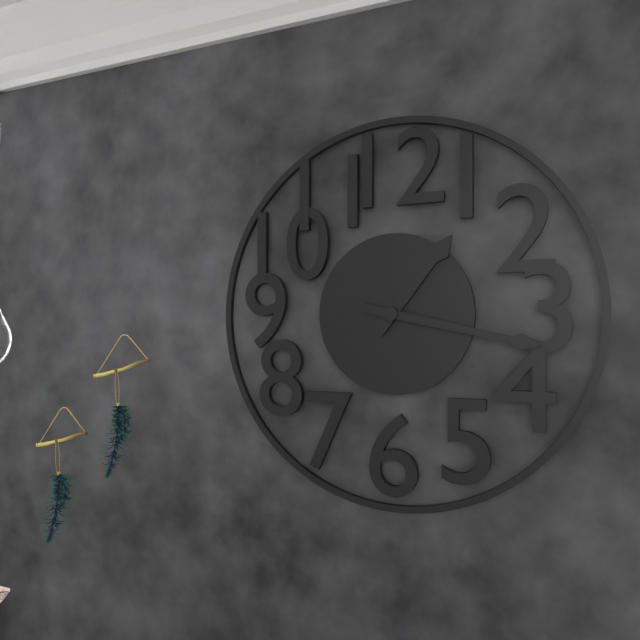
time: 1:17
